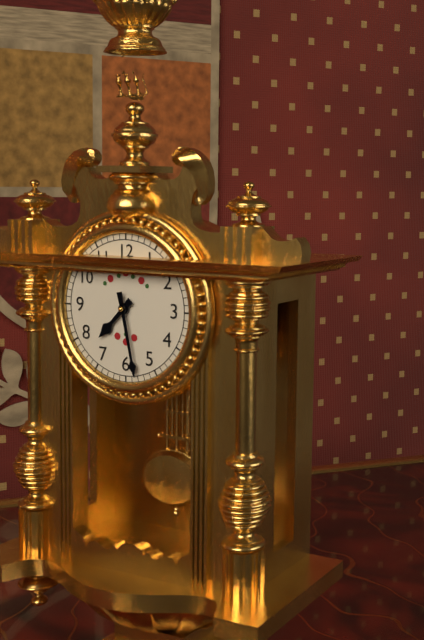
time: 7:28
